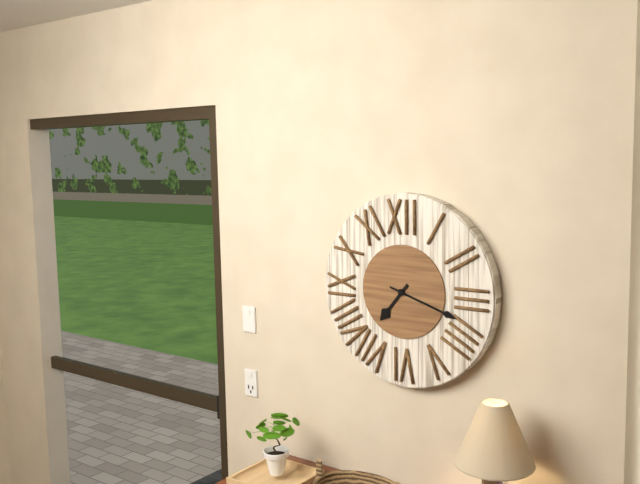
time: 7:18
